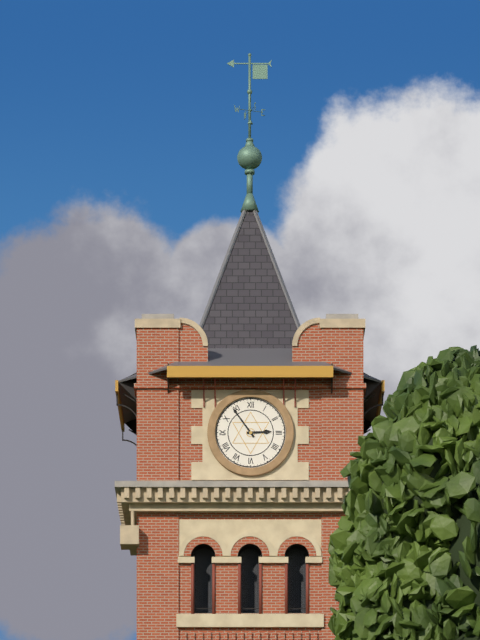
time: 2:54
